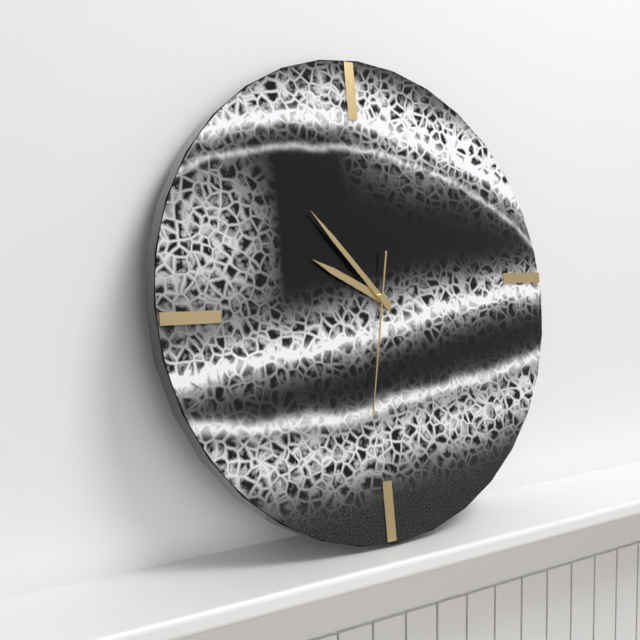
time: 9:53:32
